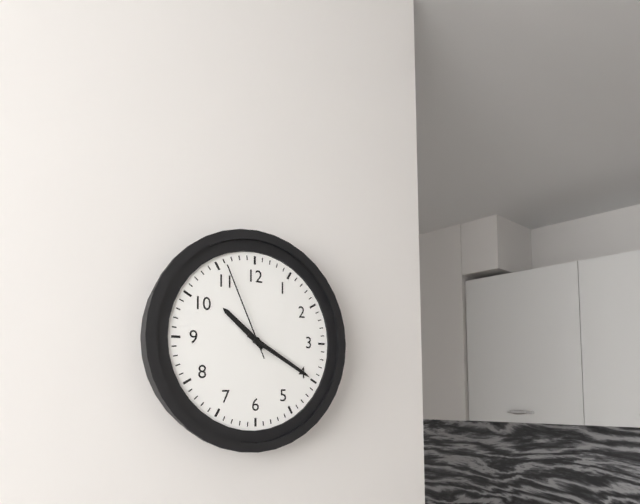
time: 10:20:56
